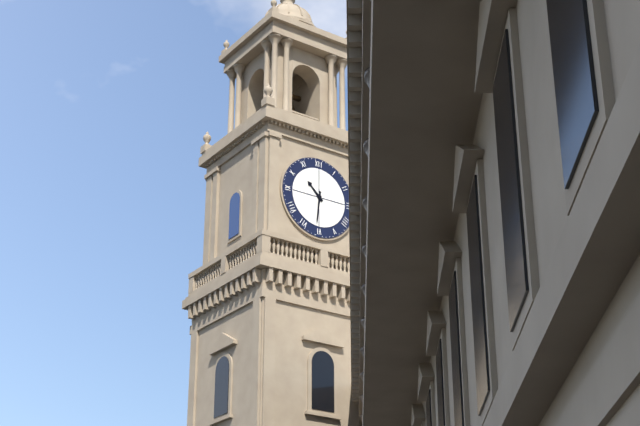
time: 10:31
